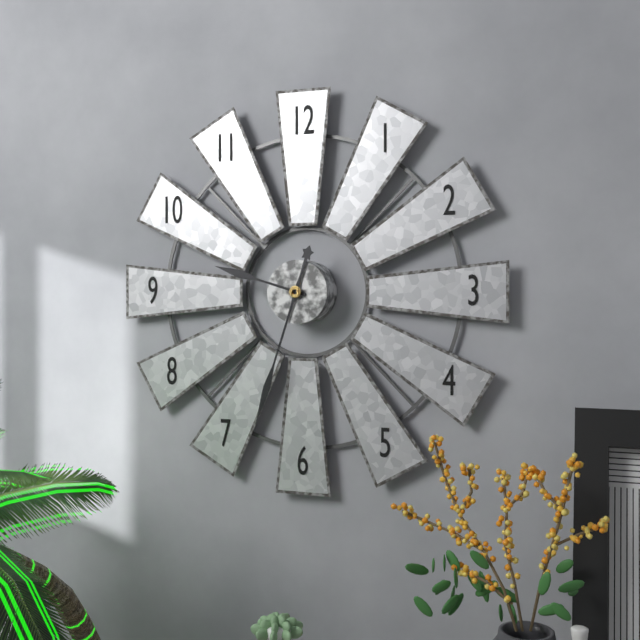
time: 9:33
